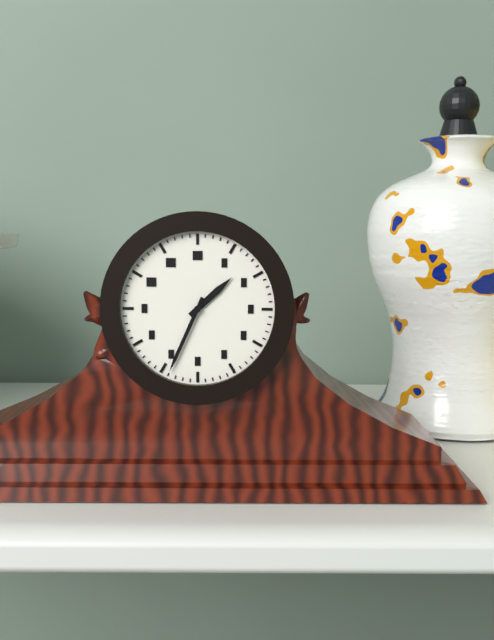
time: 1:34
